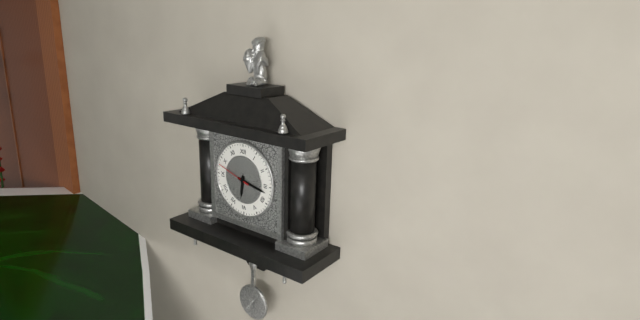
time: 6:17:48
